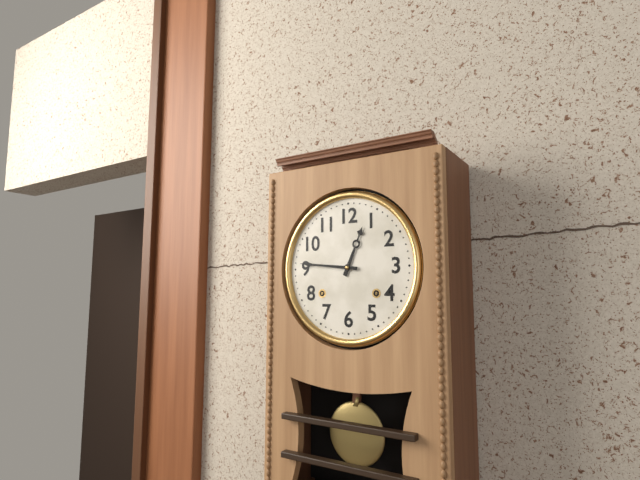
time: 12:46
